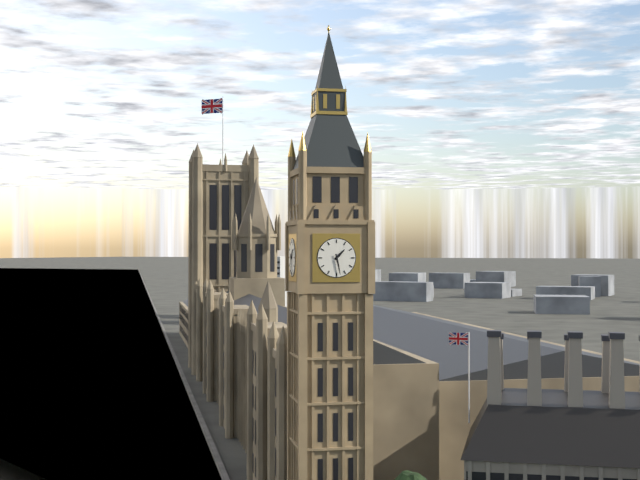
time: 1:28
